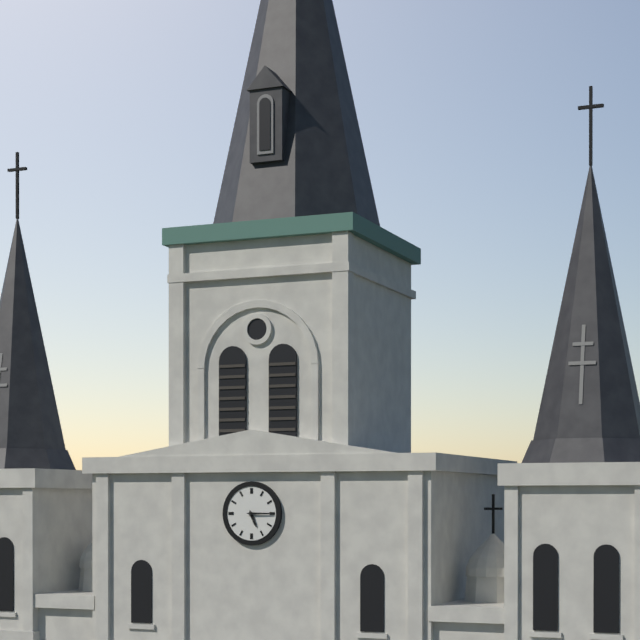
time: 5:15
